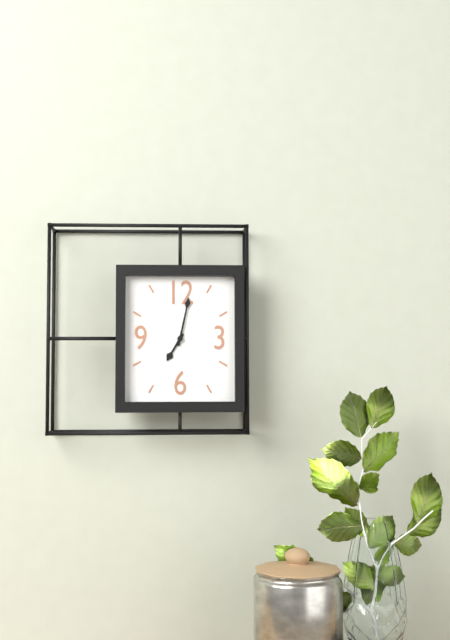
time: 7:02
